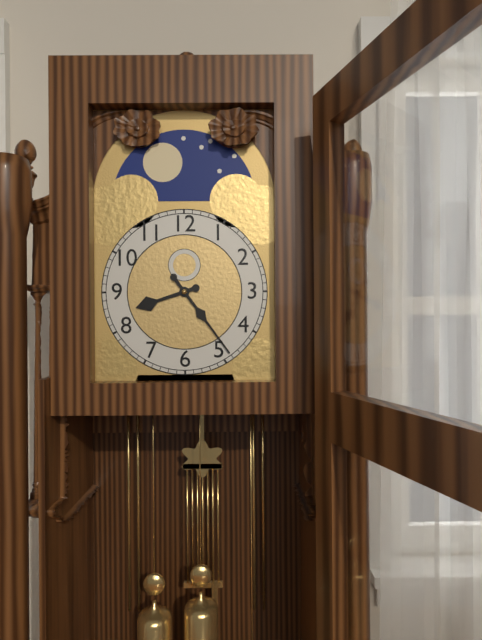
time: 8:24
